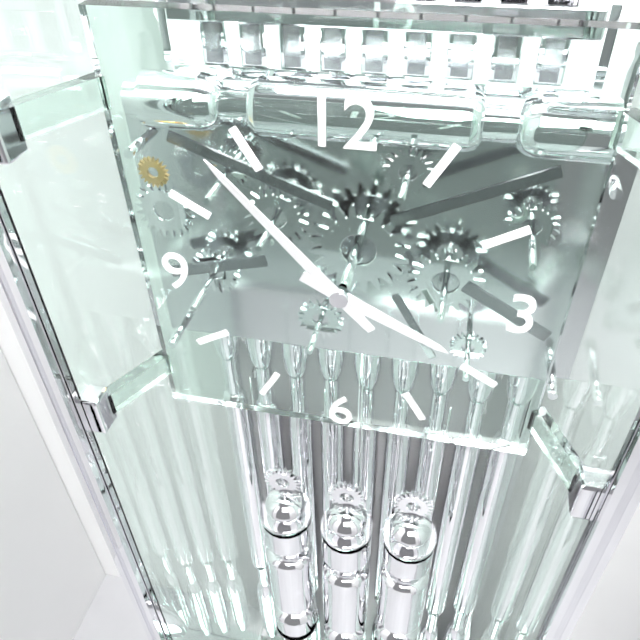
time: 3:53
